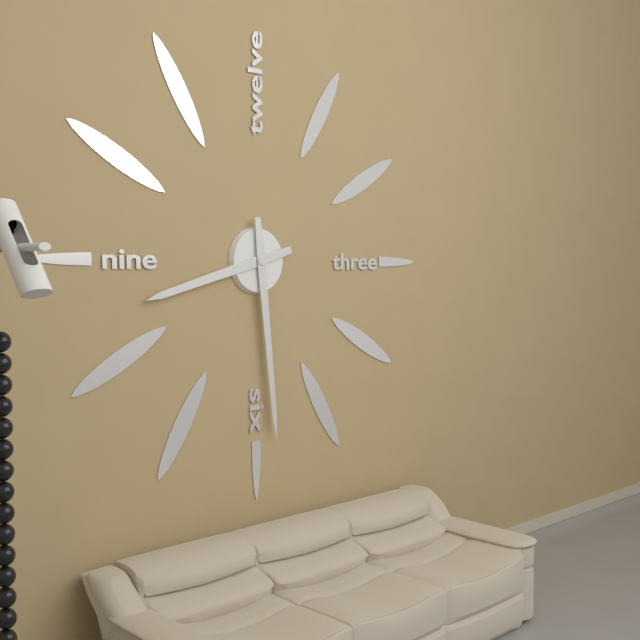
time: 8:29
